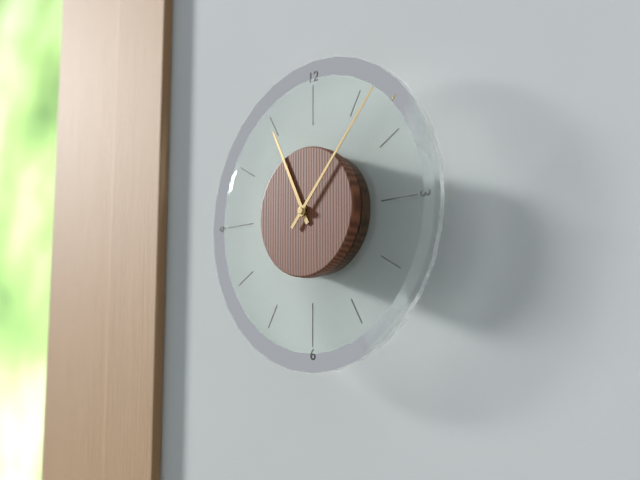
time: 11:07
